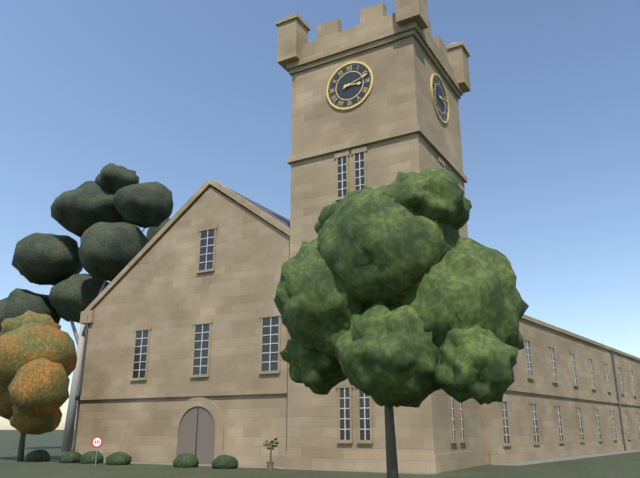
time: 3:12
